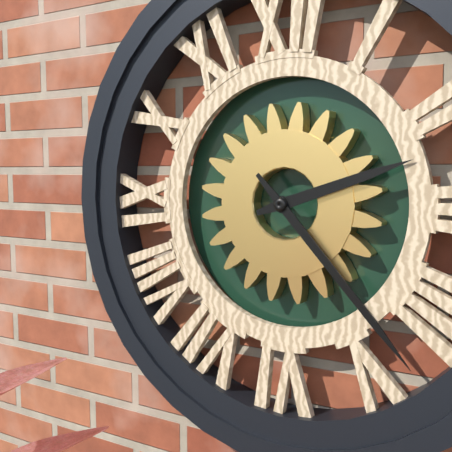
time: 2:23
